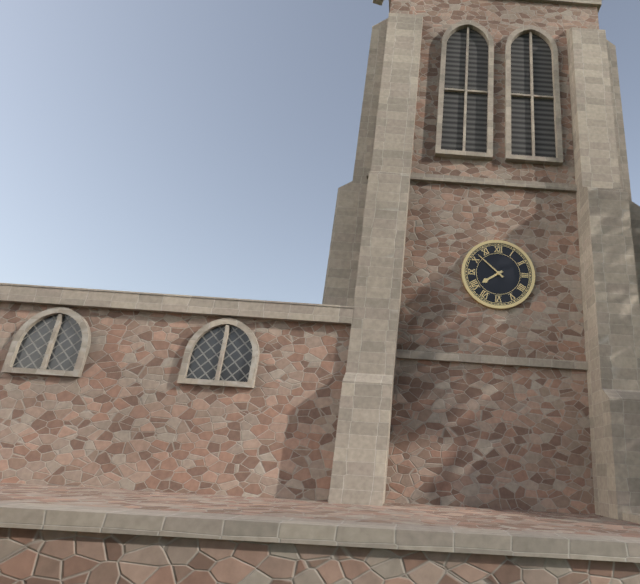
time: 7:52
